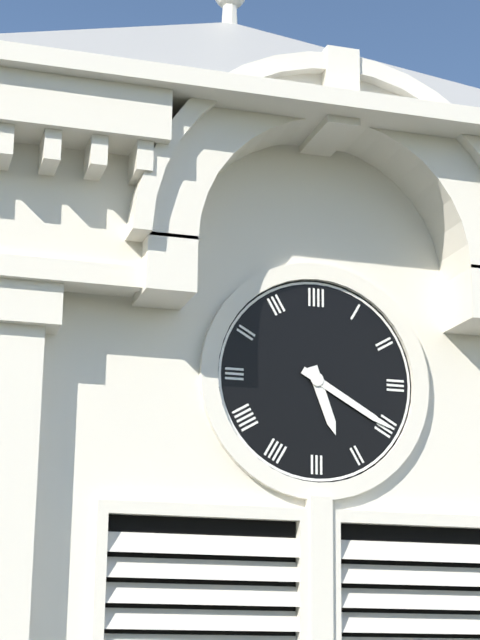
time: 5:20
